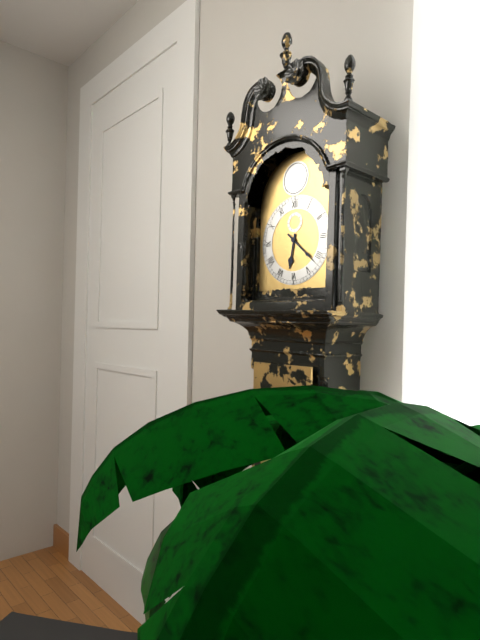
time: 6:22
